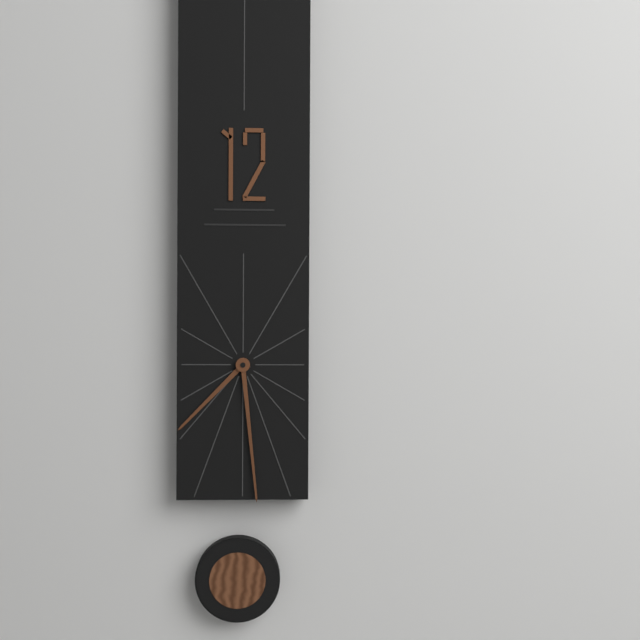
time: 7:29
